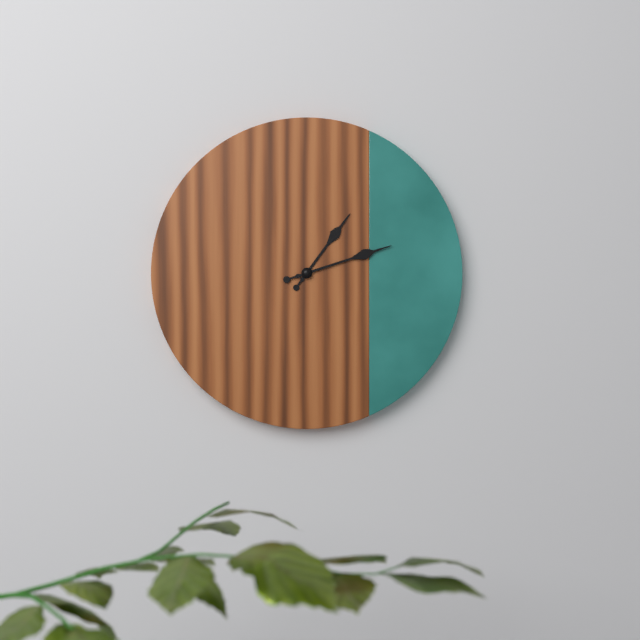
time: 1:12
